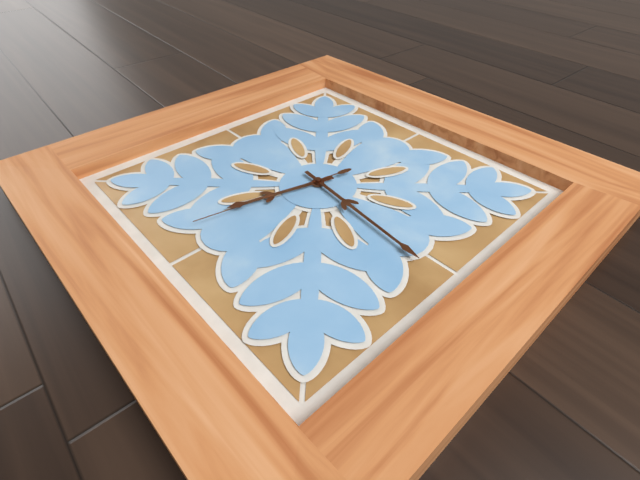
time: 9:31:47
